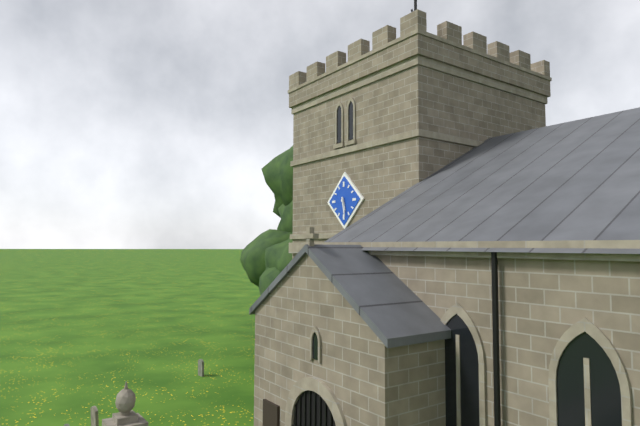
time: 5:28
